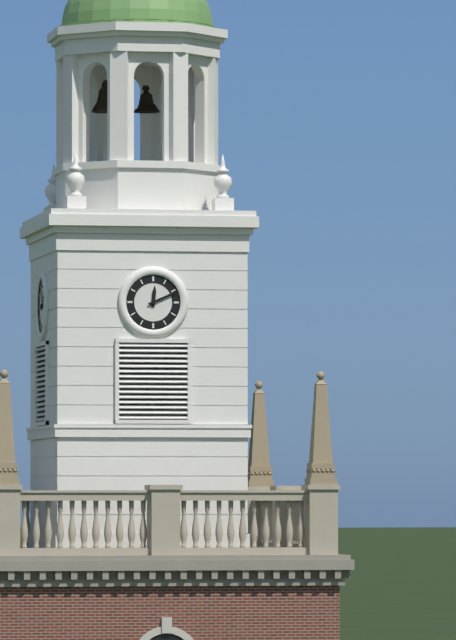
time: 12:11
